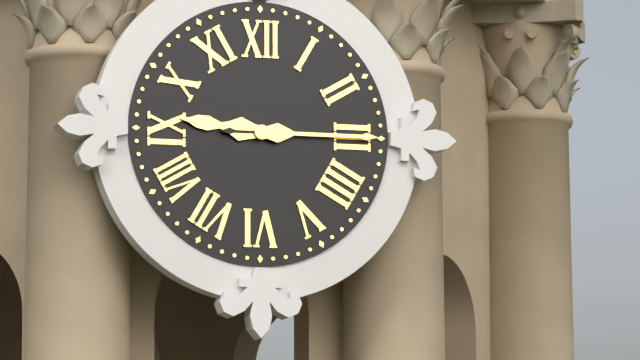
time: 9:15
